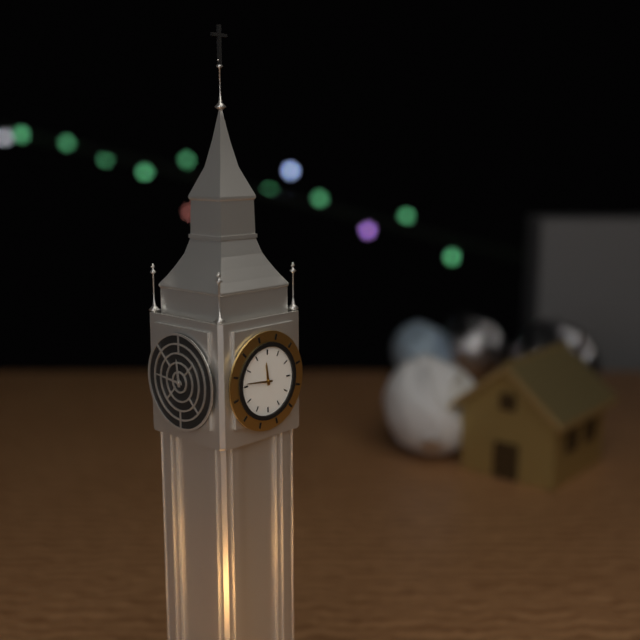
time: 11:46
